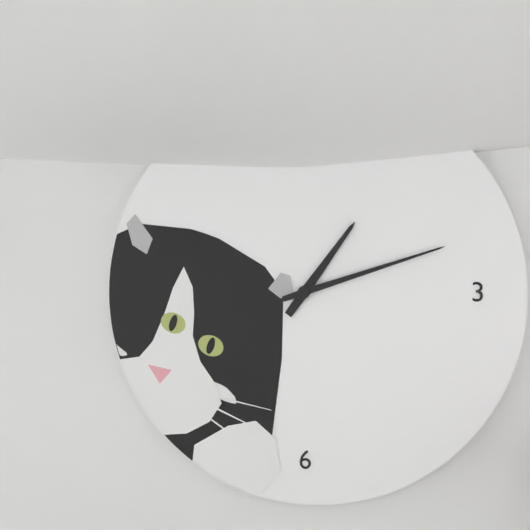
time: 1:12
